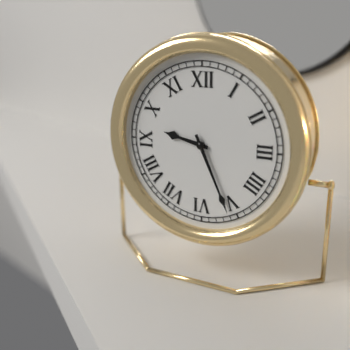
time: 9:26
